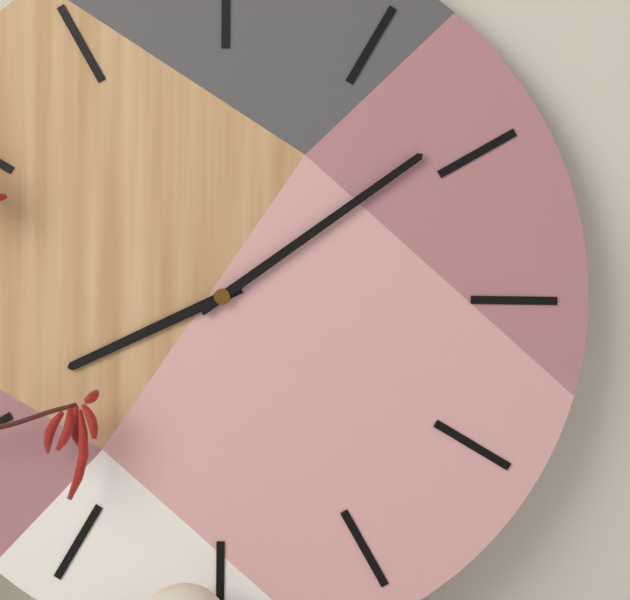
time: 8:09
